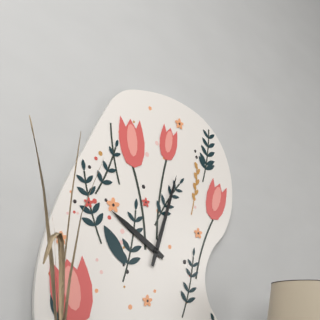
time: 10:03
